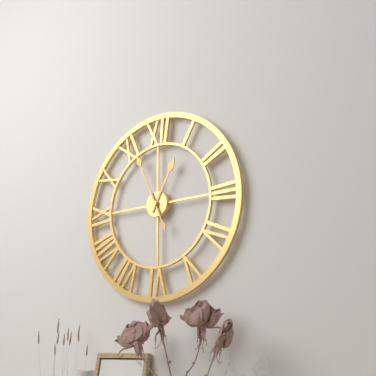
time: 12:56
